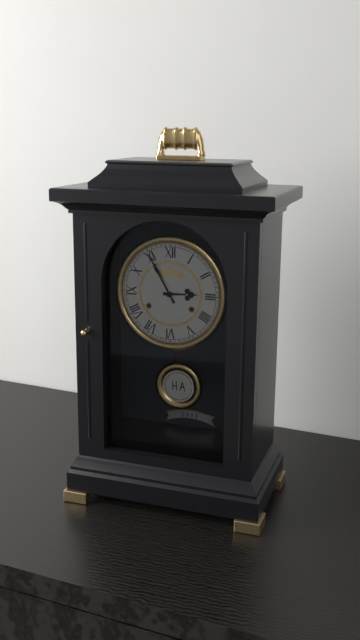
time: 2:55
